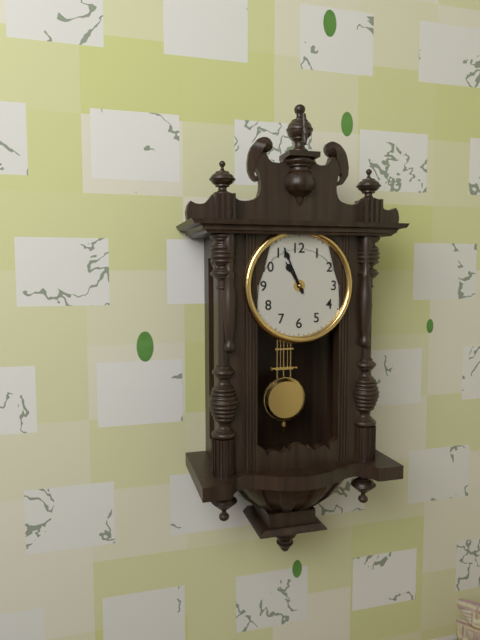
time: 10:56
